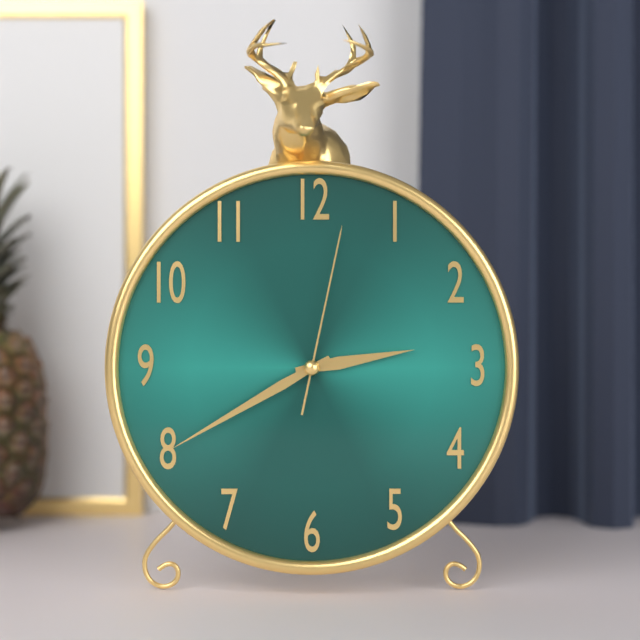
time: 2:40:02
